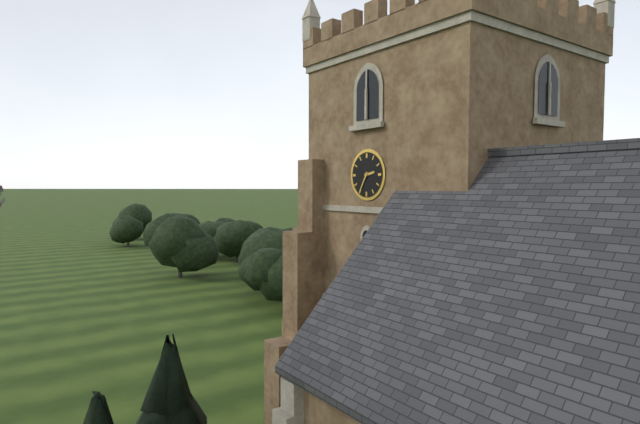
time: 2:35
